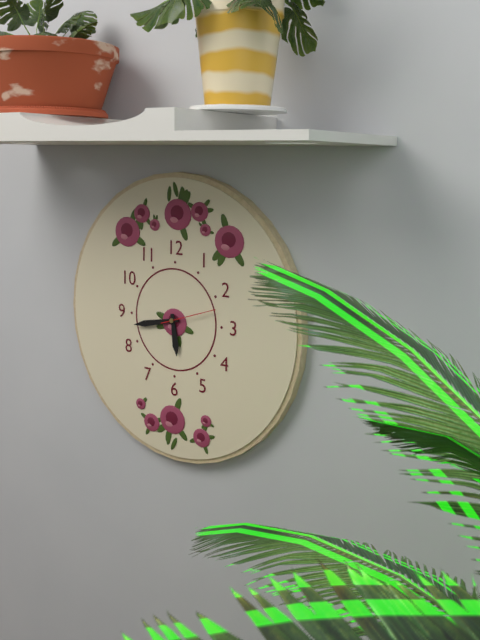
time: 5:43:12
